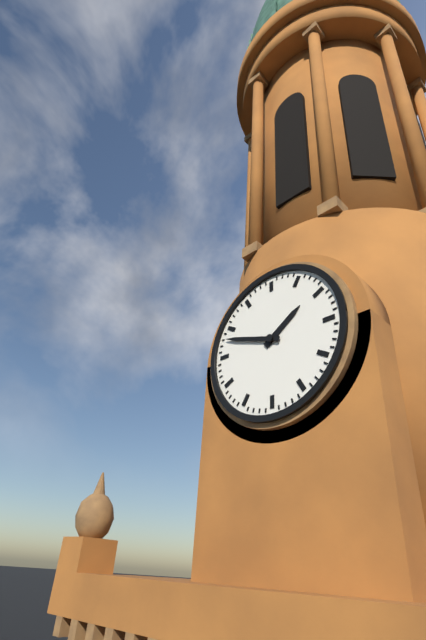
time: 1:48
